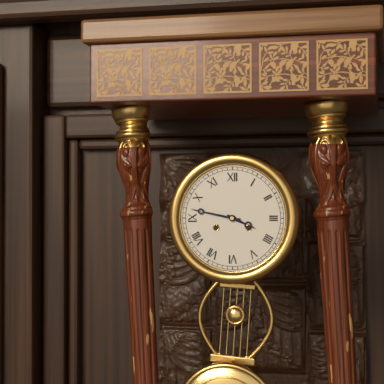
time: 3:47
